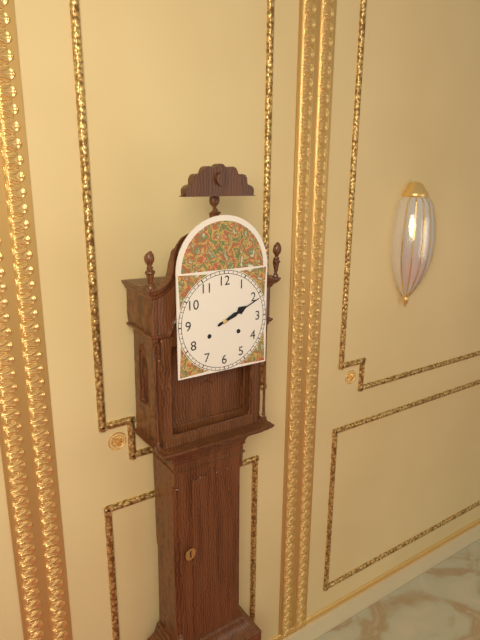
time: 2:11
